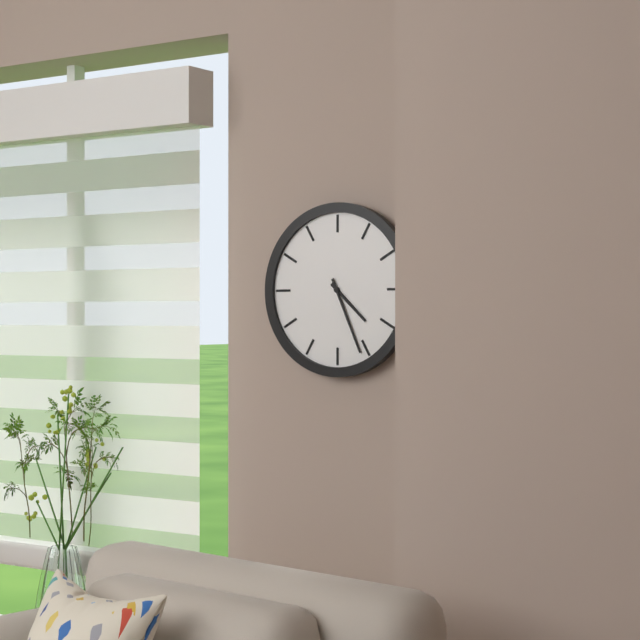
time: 4:26
